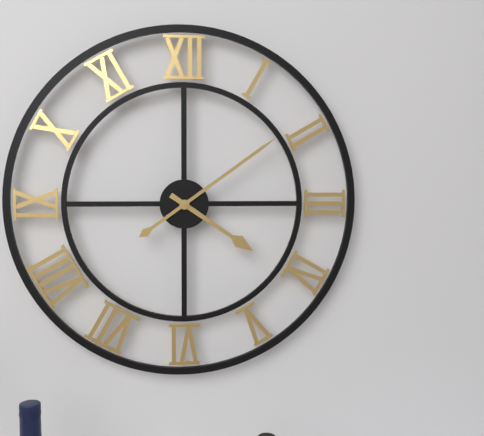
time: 4:09
